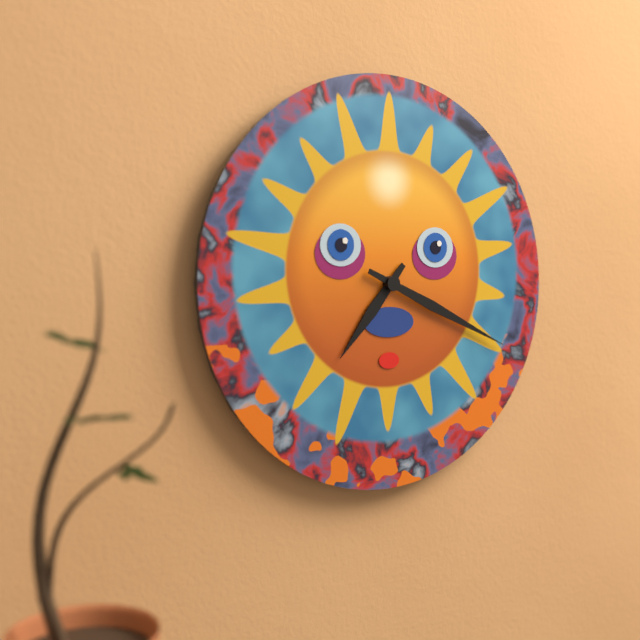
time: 7:19
